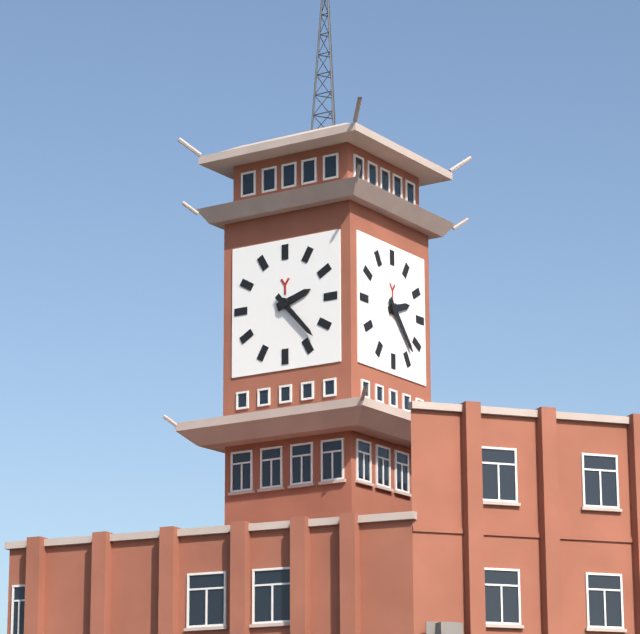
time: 2:23
